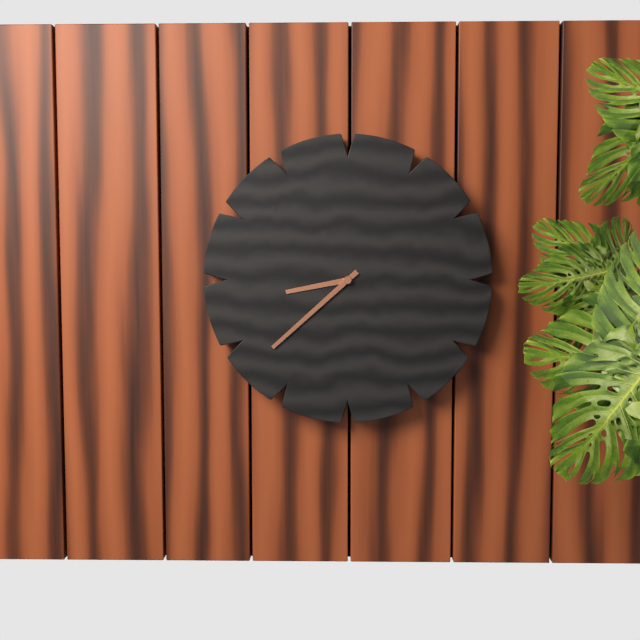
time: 8:38
